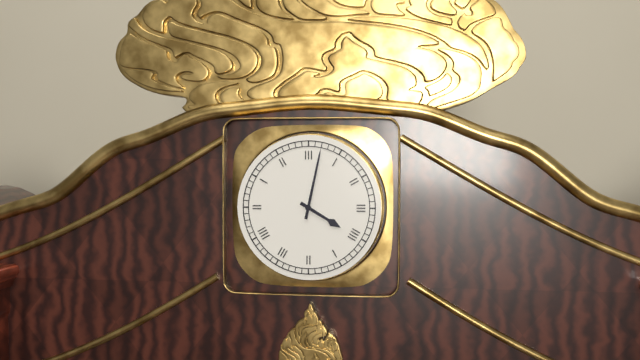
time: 4:02
